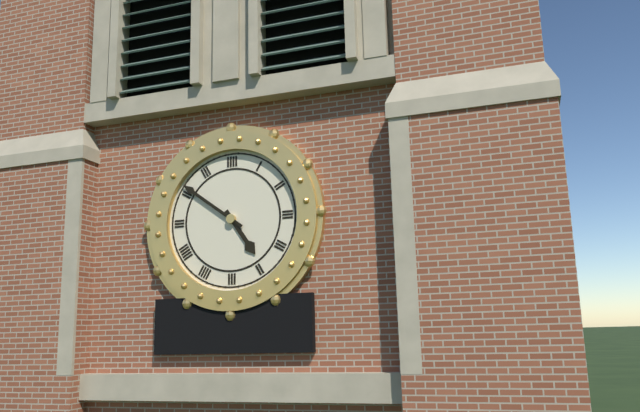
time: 4:51
